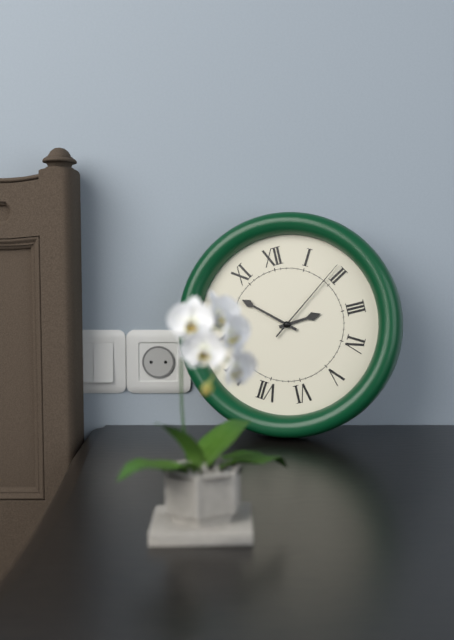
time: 2:52:09
